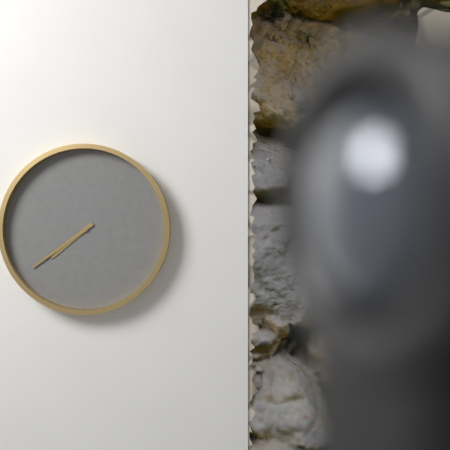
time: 7:39
